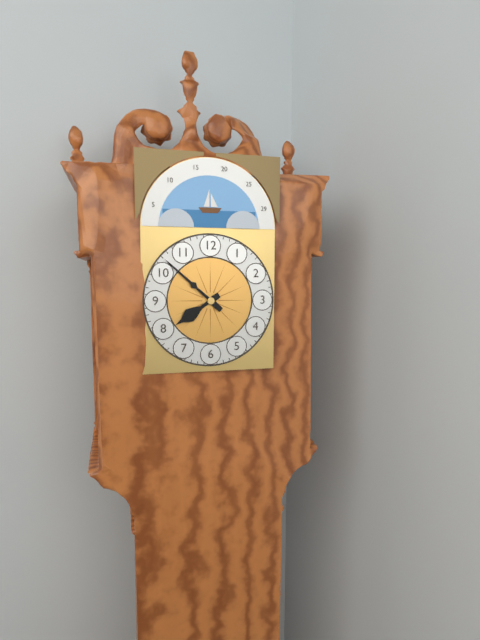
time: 7:52
